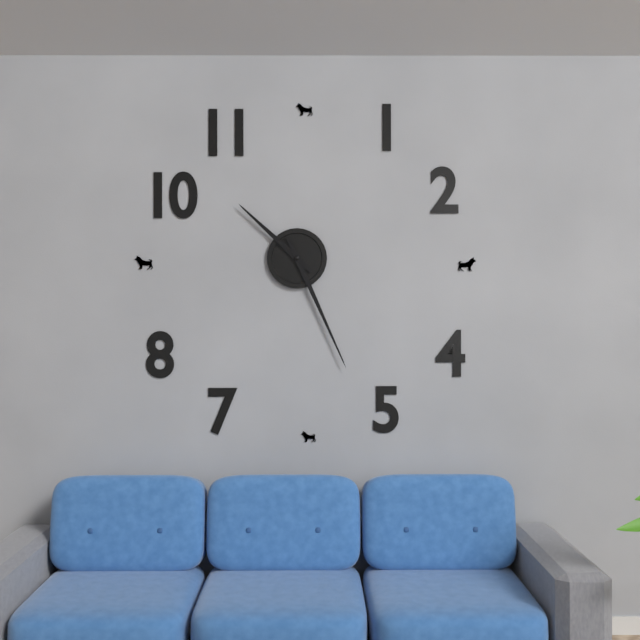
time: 10:26
